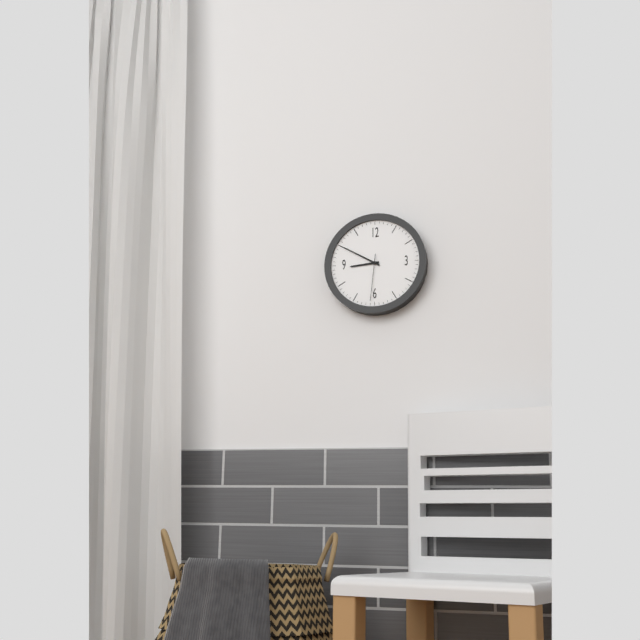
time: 8:50
